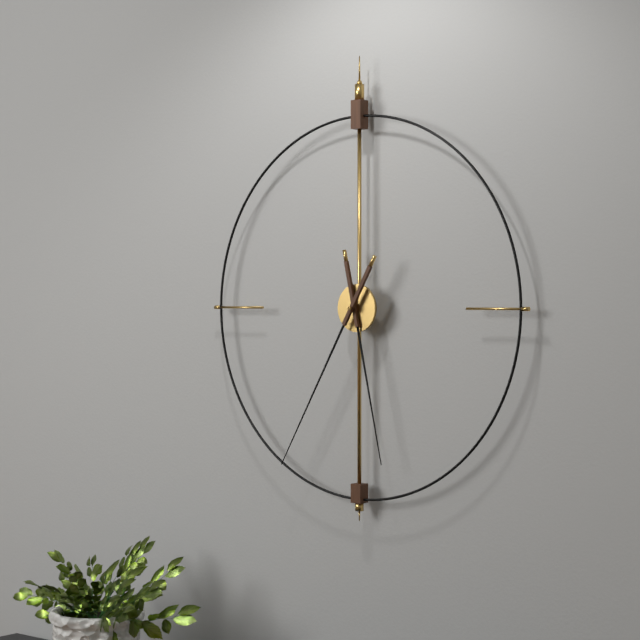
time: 5:35
